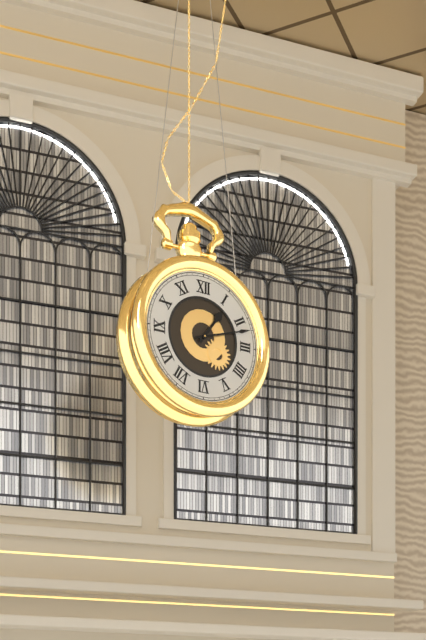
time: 1:12
